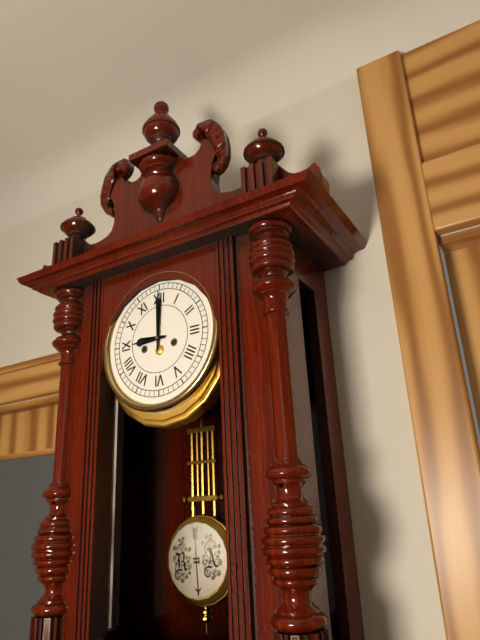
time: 9:00
